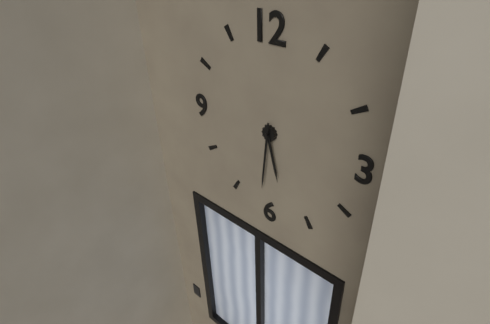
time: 5:31
